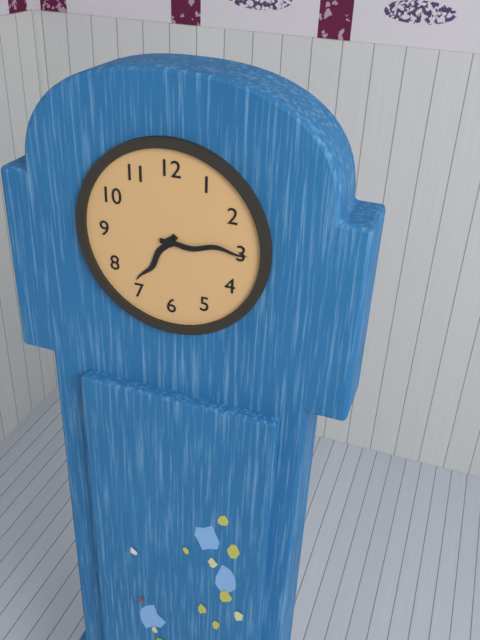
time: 7:15
